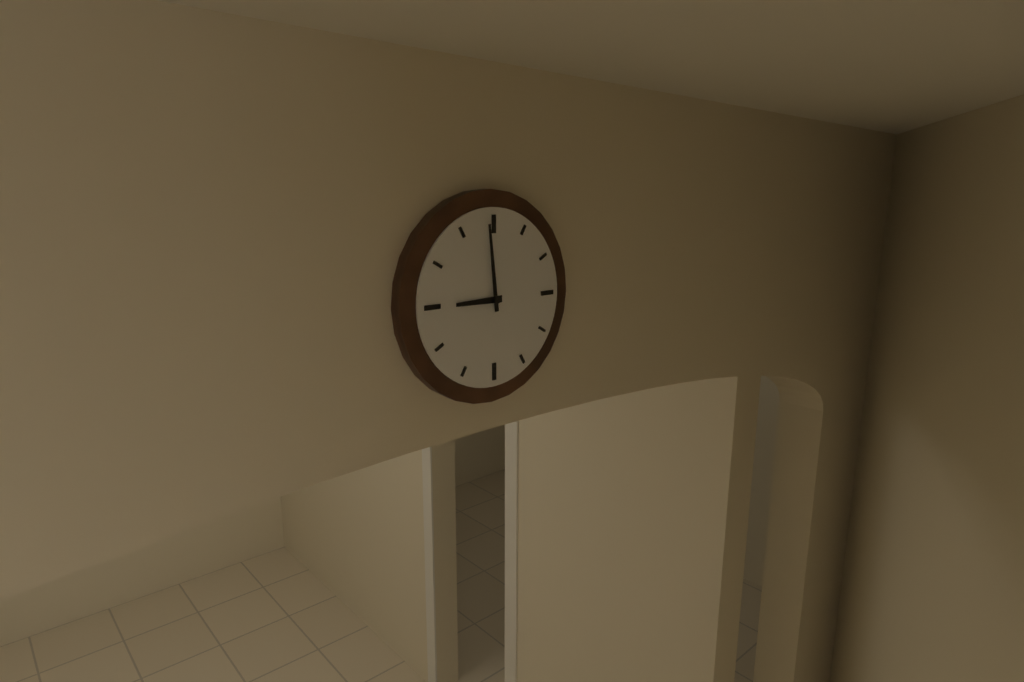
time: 8:59
